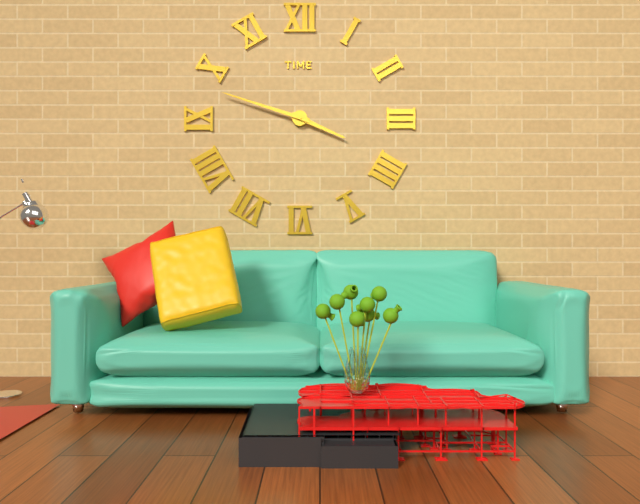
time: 3:48
